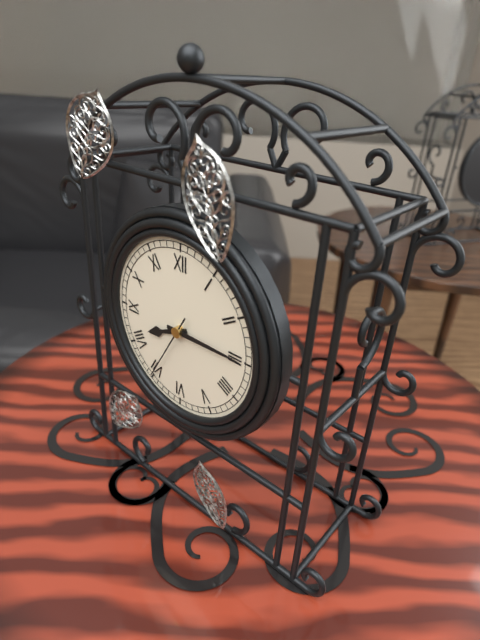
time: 8:15:35
